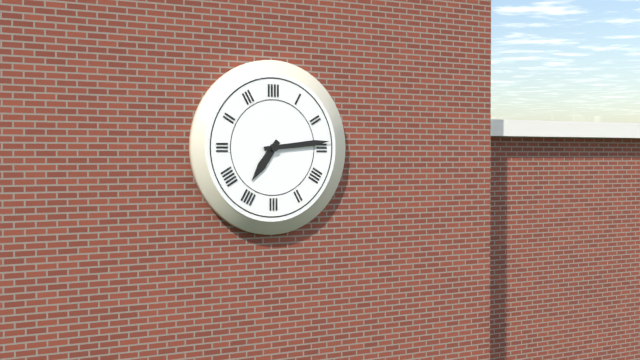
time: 7:14
